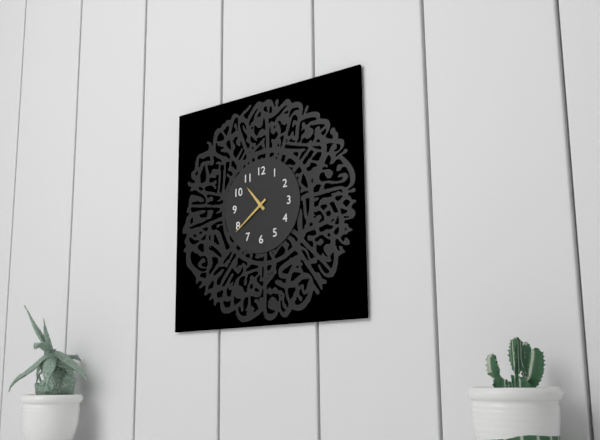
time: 10:39
